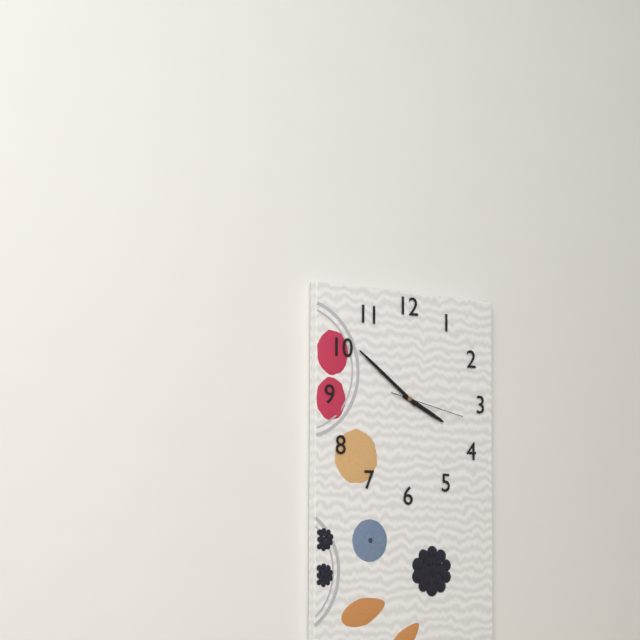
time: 3:51:17
